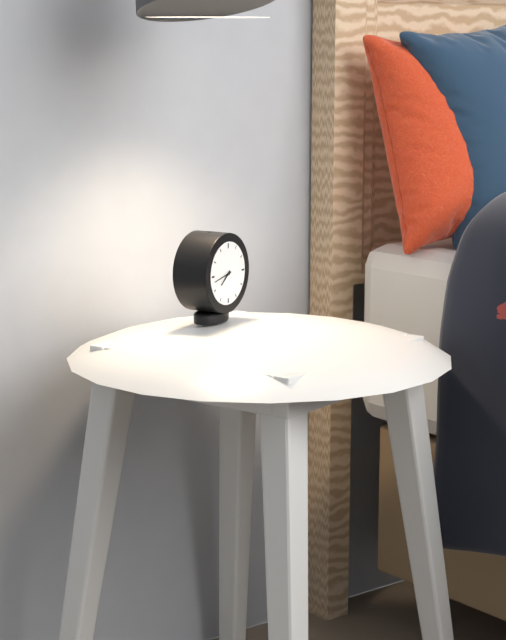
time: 7:43
